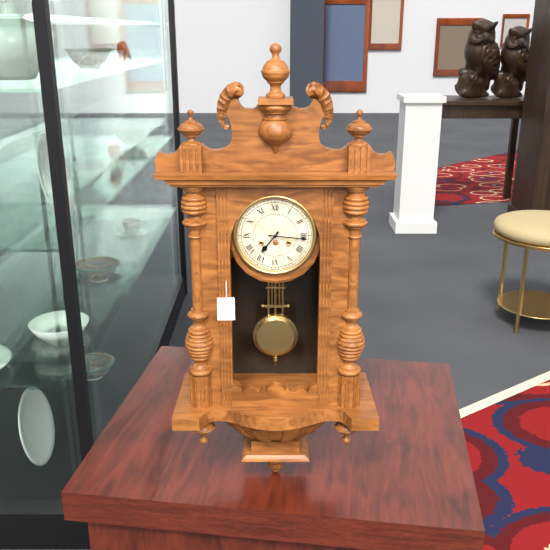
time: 7:16
